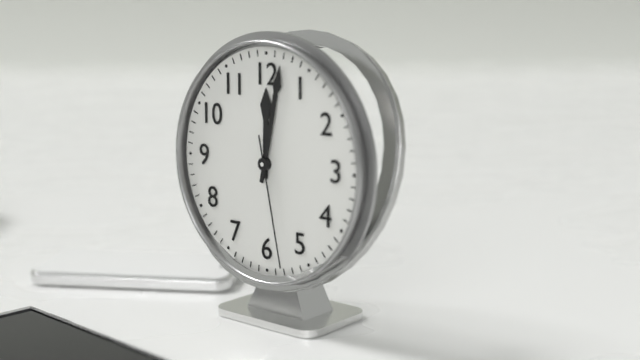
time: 12:02:28
